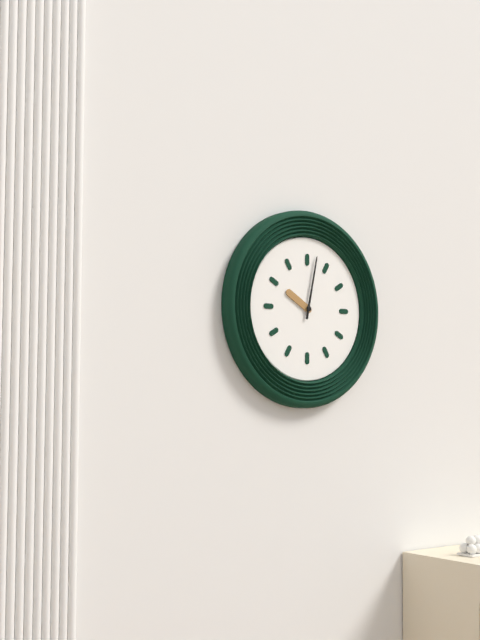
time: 10:02
